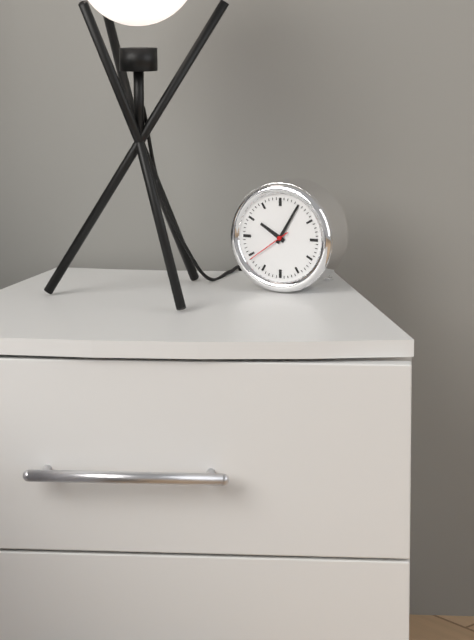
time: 10:05:39
